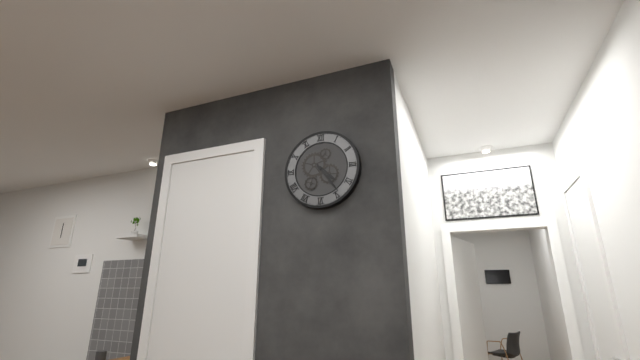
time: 4:24
